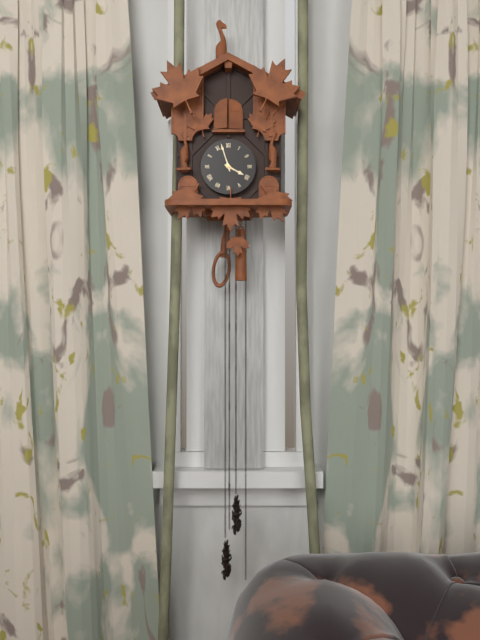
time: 3:57
